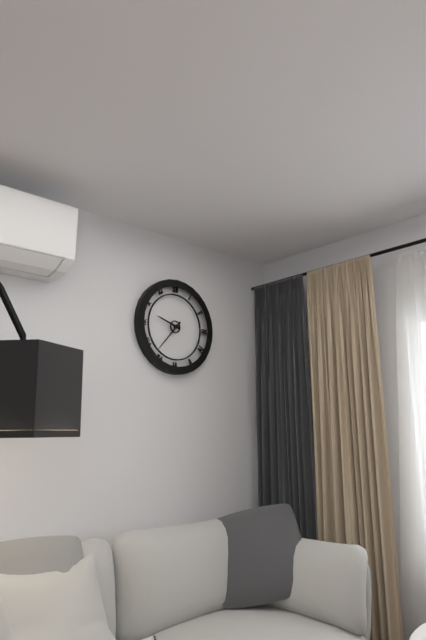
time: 9:37
